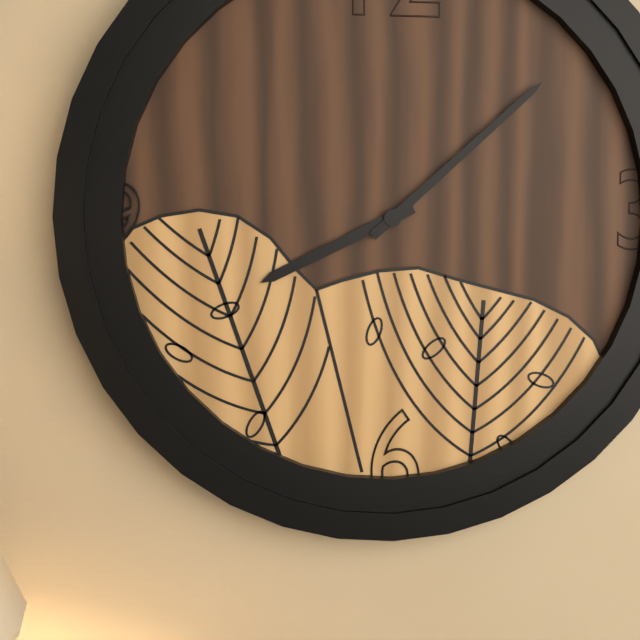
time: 8:08
